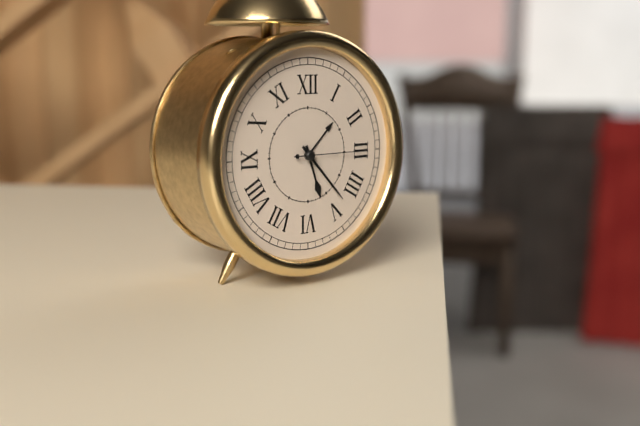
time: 5:23:15
